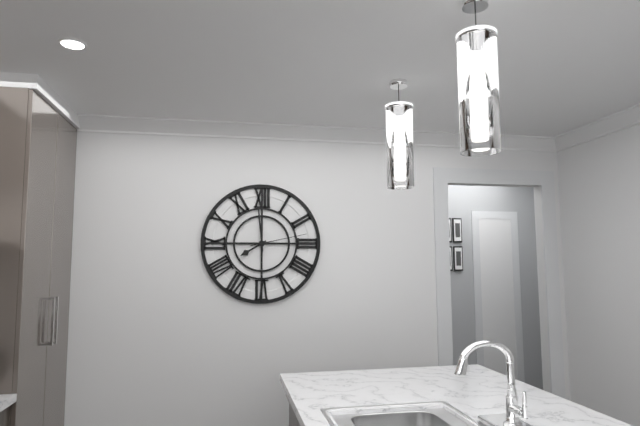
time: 7:59:13
